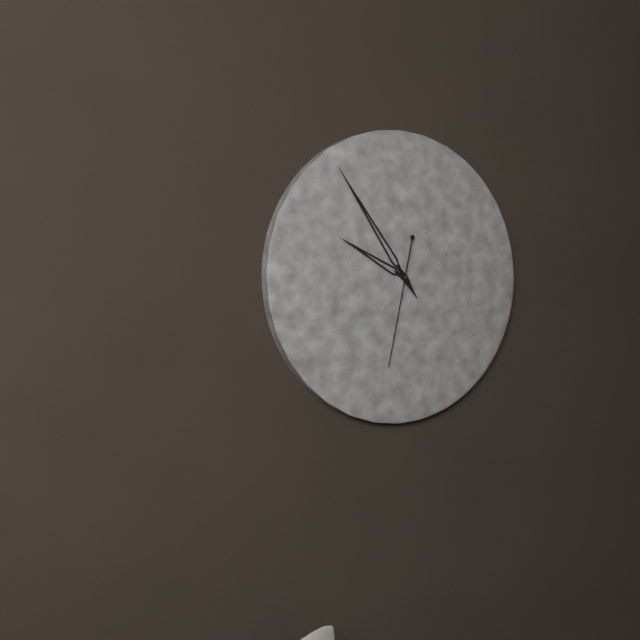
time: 9:54:32
